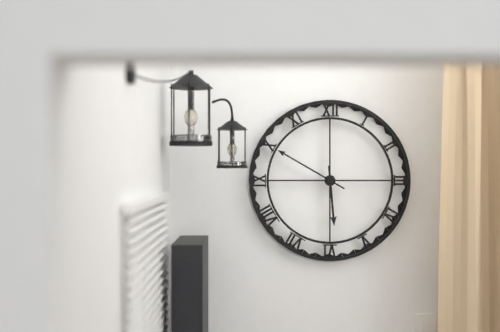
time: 5:50
